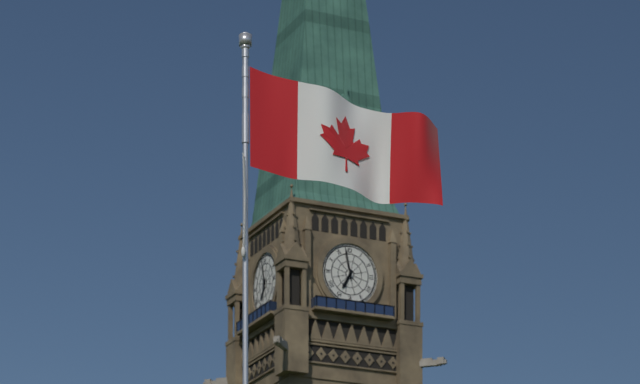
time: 6:58
